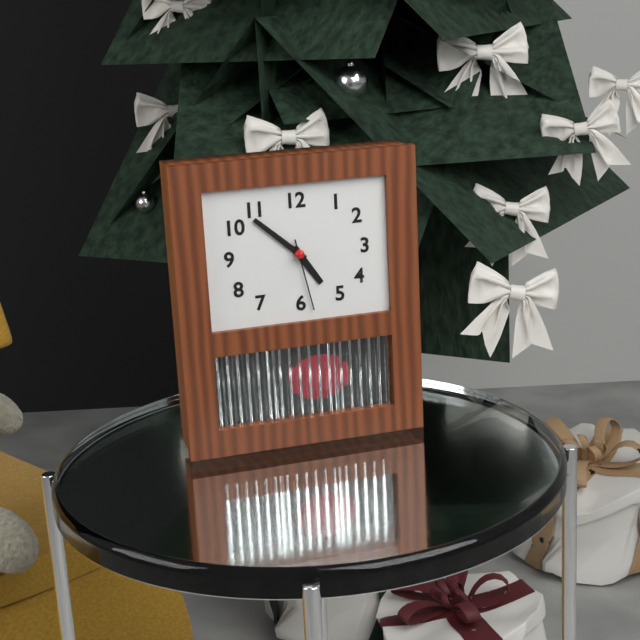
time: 4:52:28
